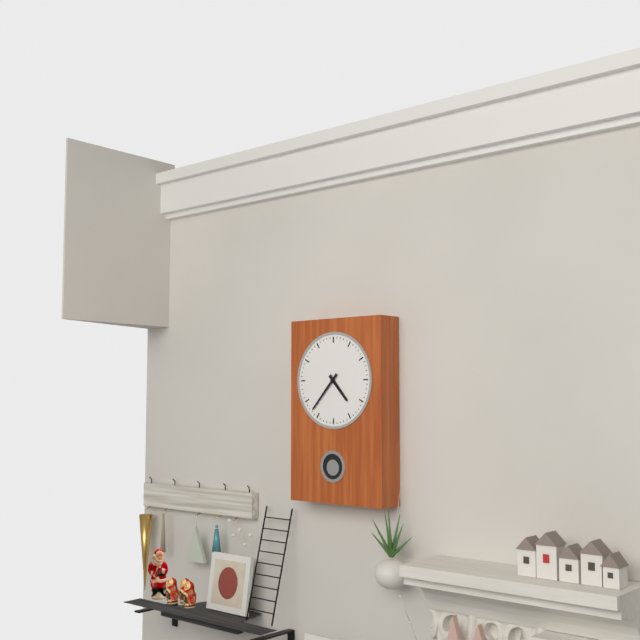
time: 4:37
